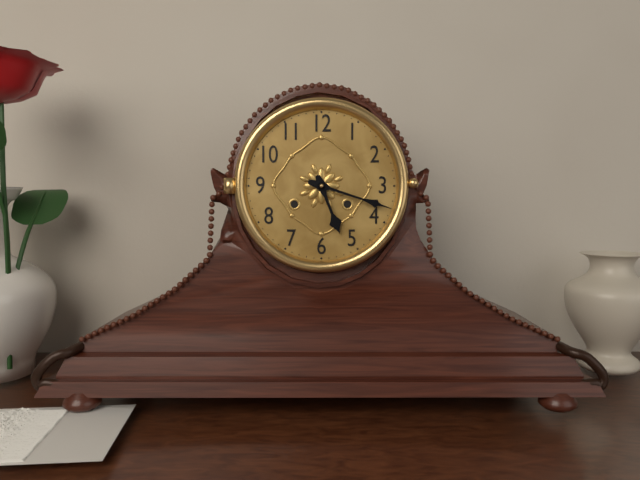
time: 5:18
